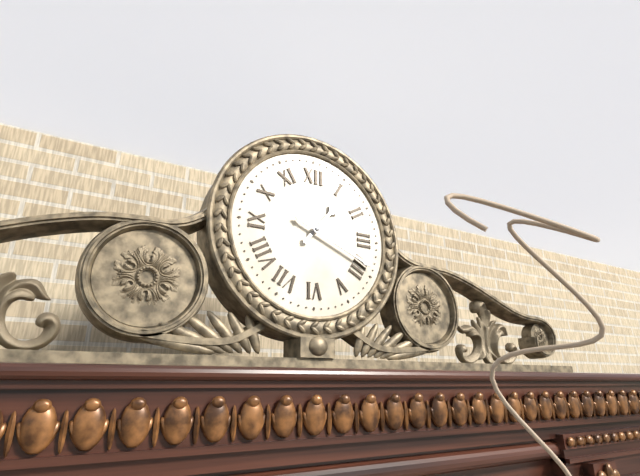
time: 1:19
